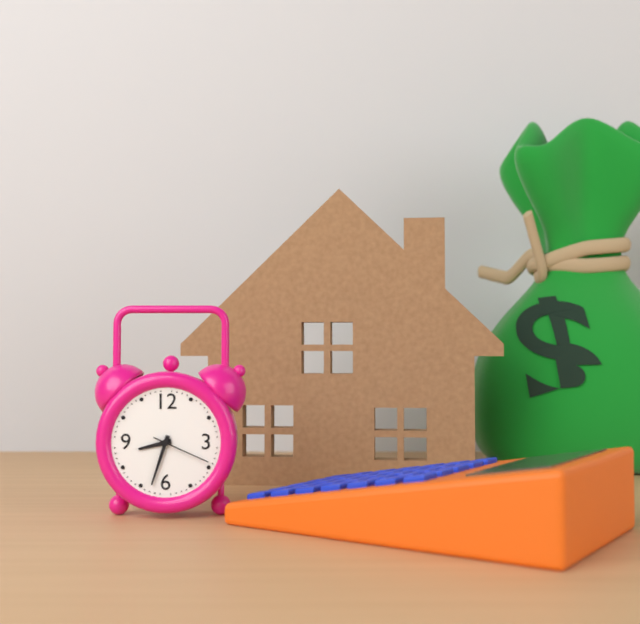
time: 8:33:19
